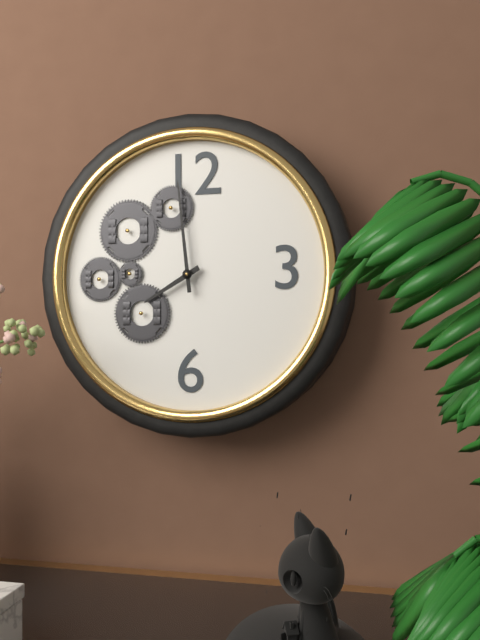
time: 7:59
